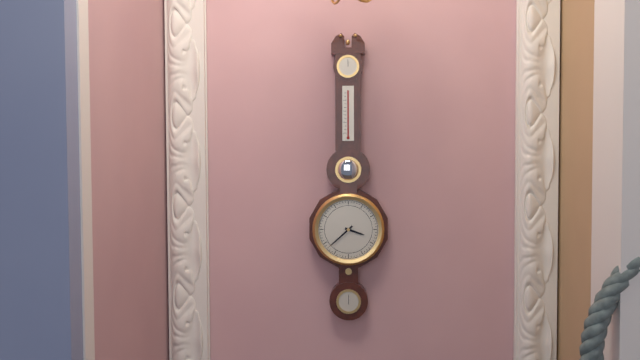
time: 3:38
